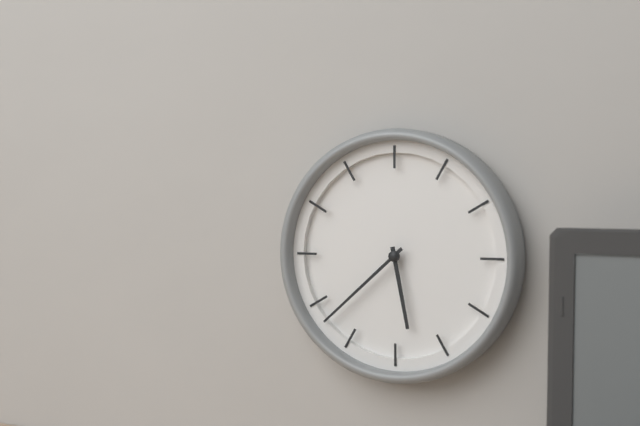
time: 5:38
